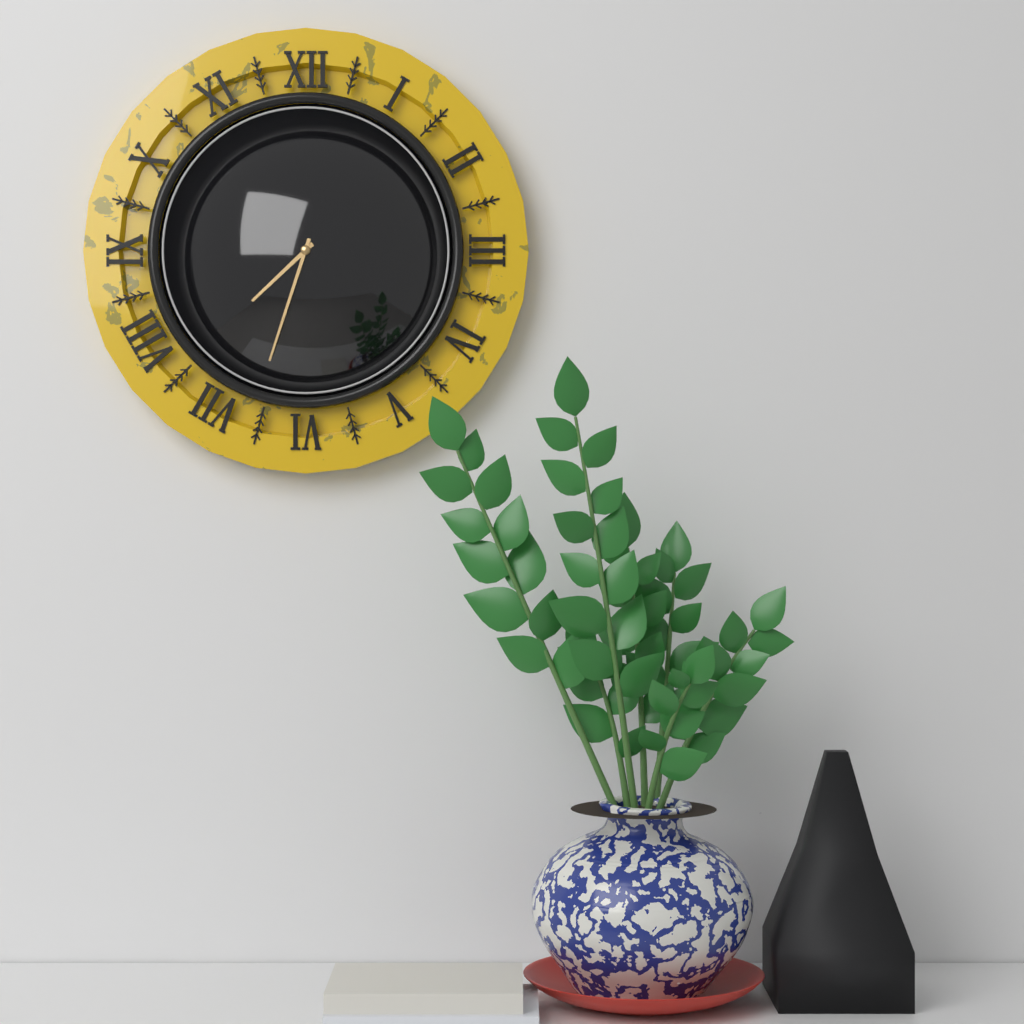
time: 7:33
